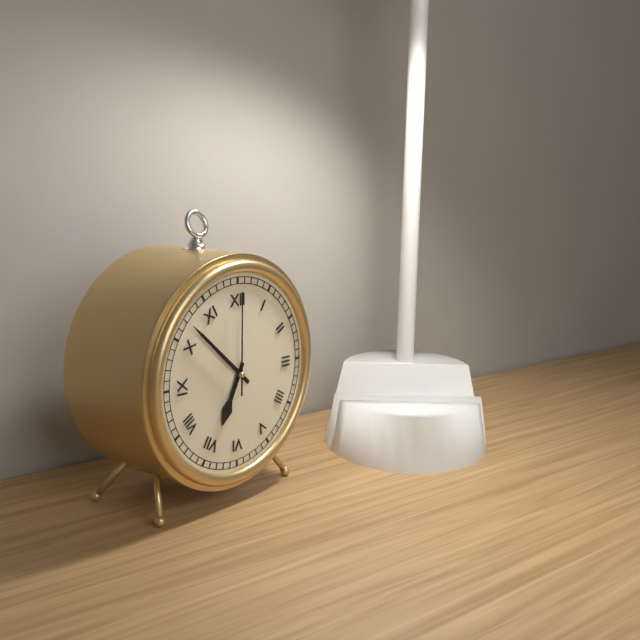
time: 6:52:00
